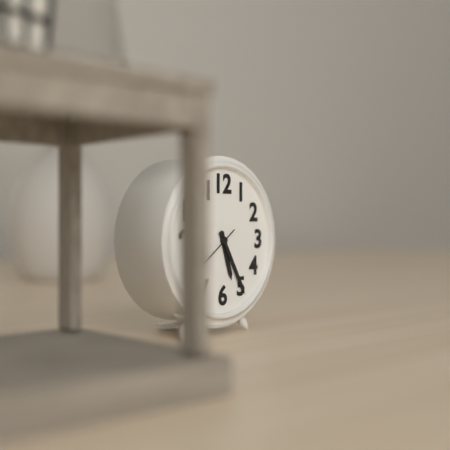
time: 5:25
